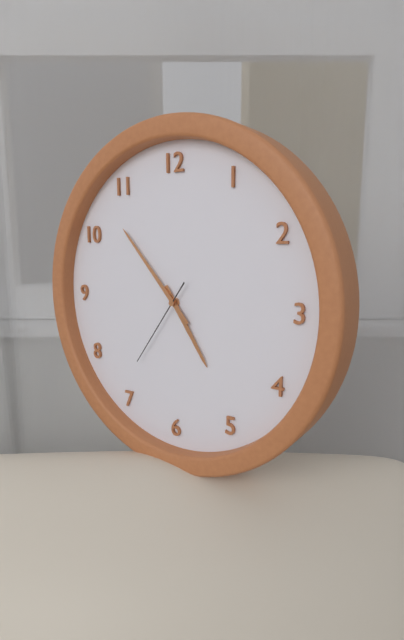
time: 4:53:36
